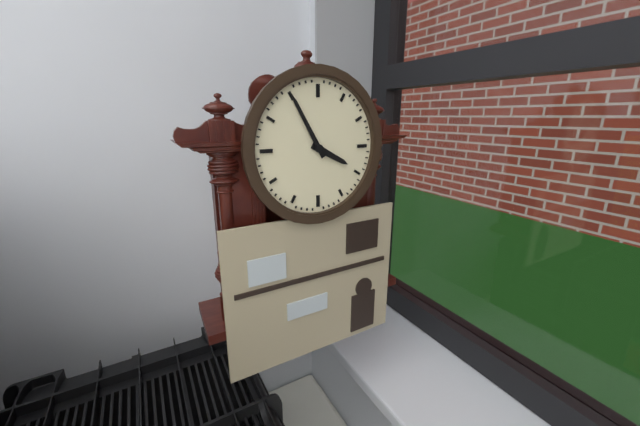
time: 3:55
